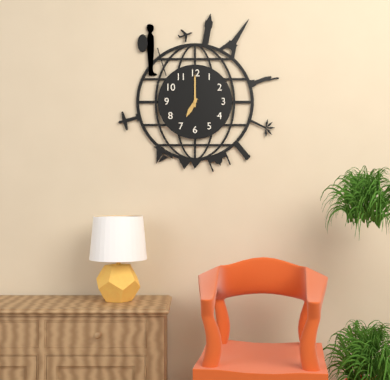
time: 7:00
